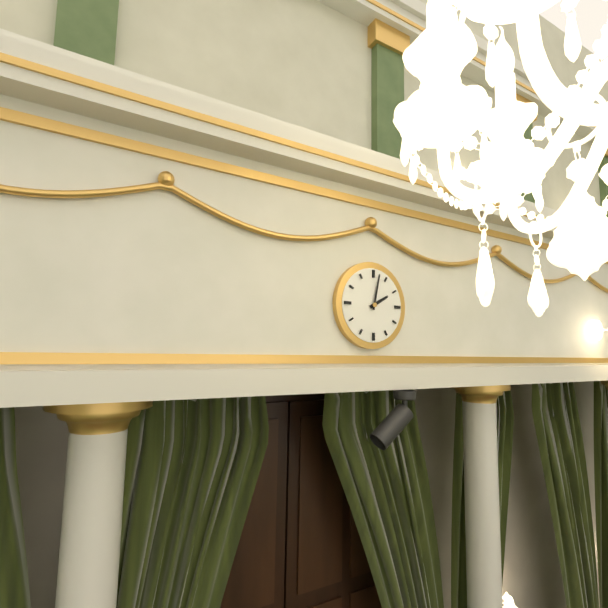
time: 2:02
